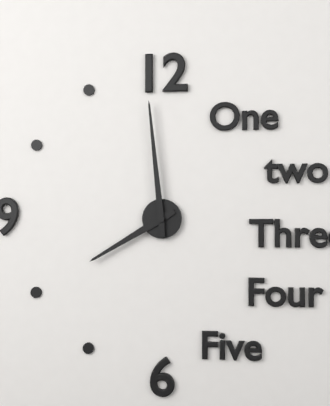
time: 7:59
